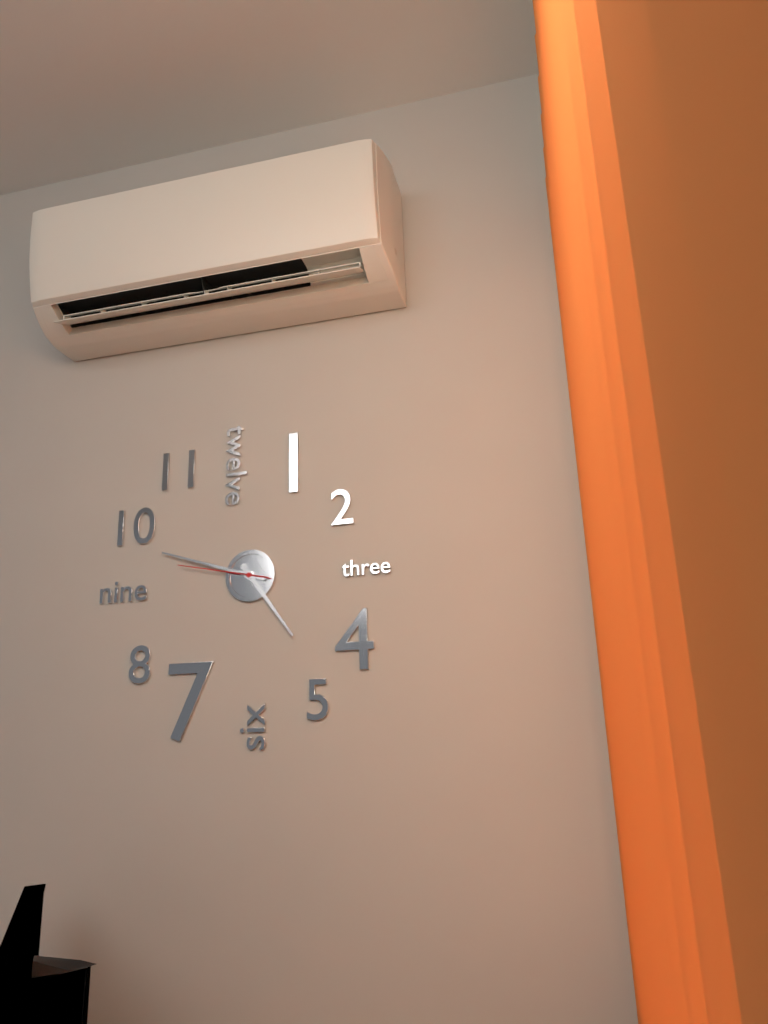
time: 4:48:47
